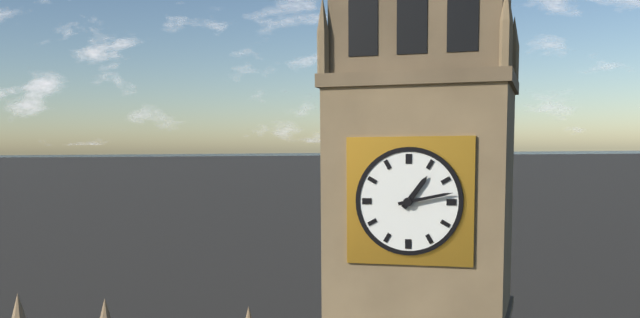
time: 1:13
